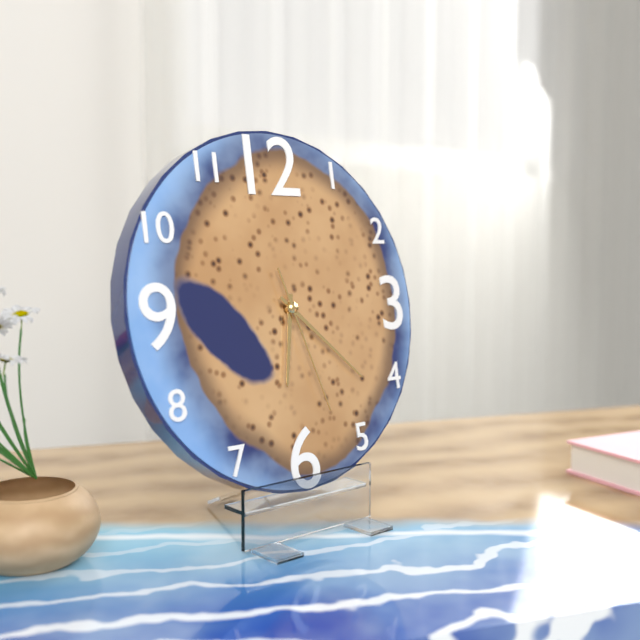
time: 6:22:27
